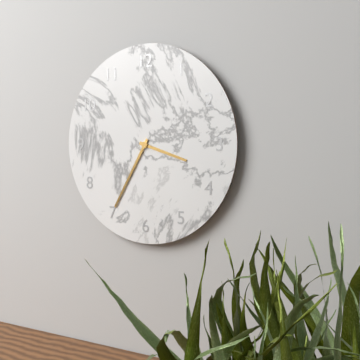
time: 3:35
